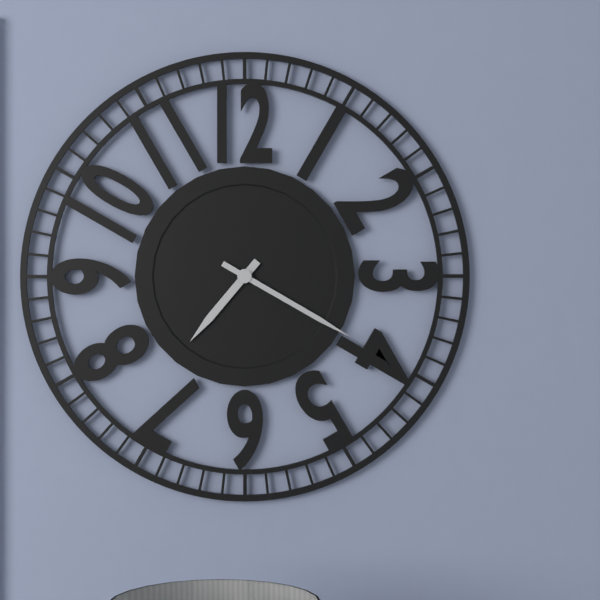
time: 7:20
